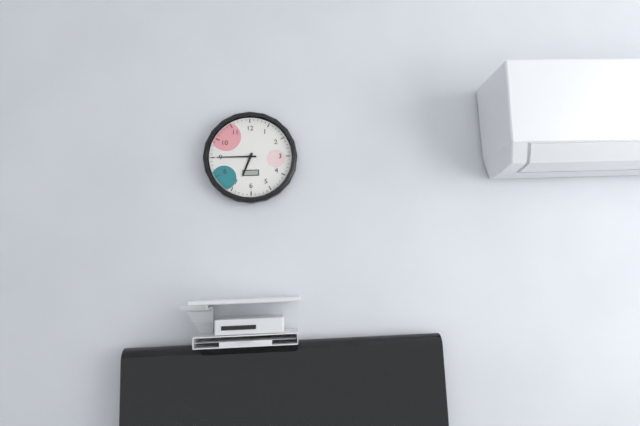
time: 6:45
